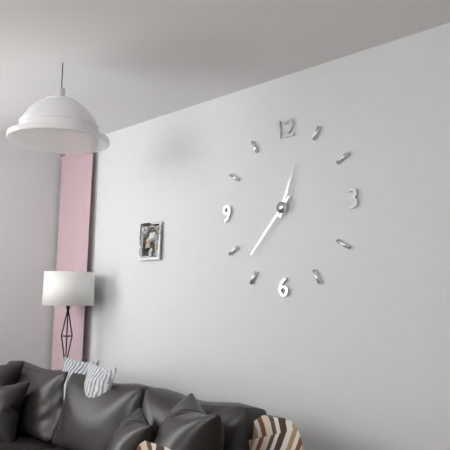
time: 12:37
